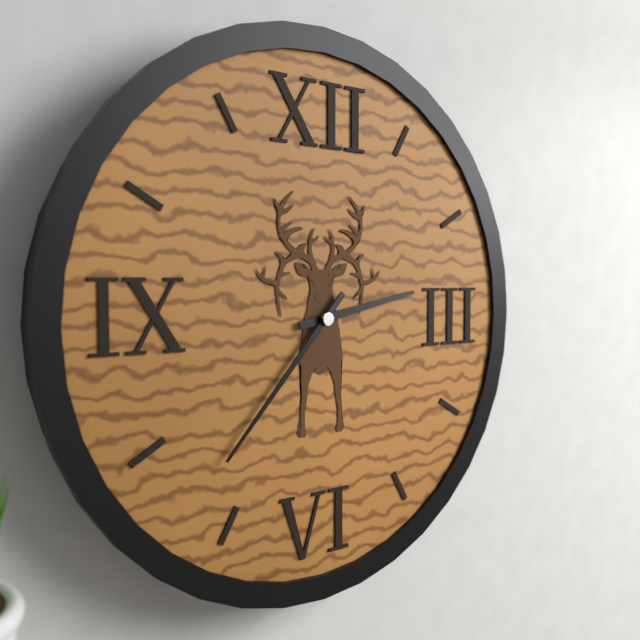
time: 2:37
